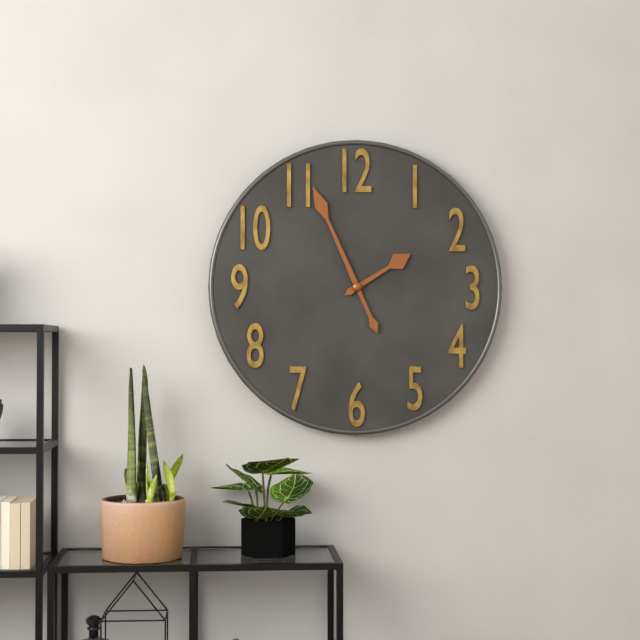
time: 1:56
